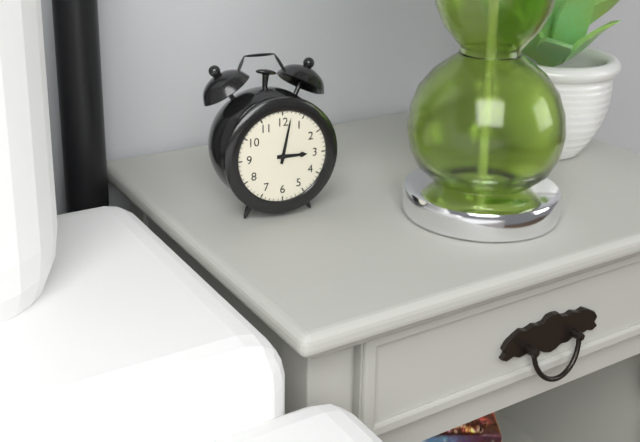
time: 3:02
